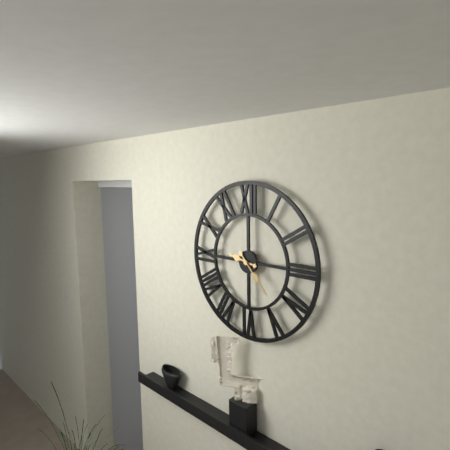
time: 9:23
